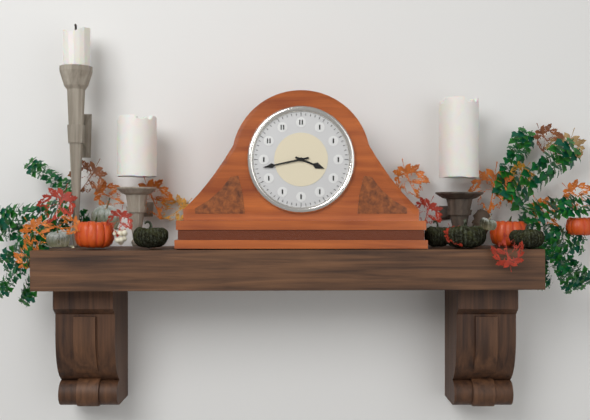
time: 3:43
